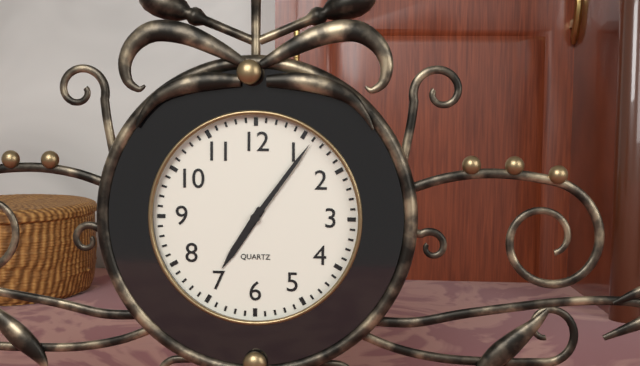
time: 7:06
